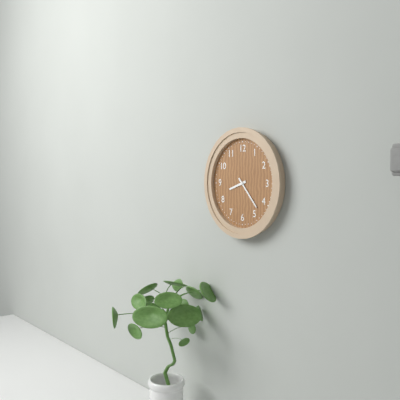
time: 8:23
